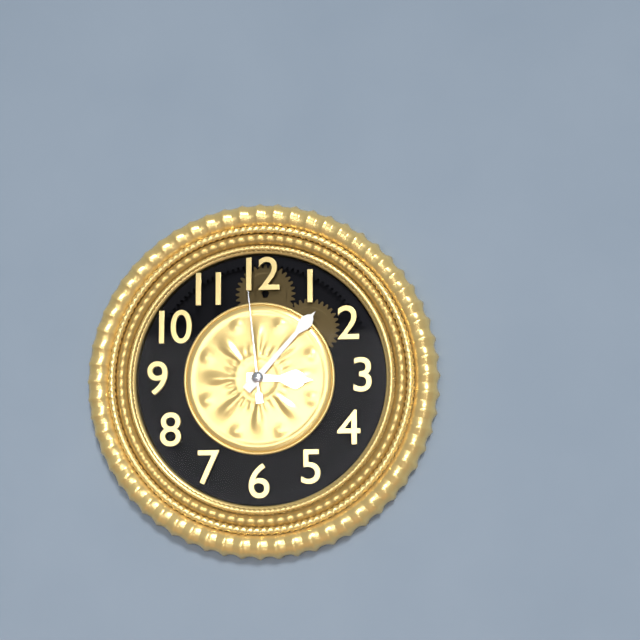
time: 3:07:59
